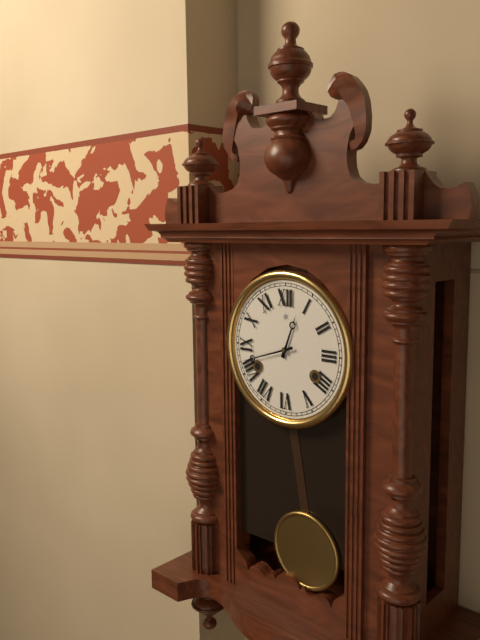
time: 12:42
